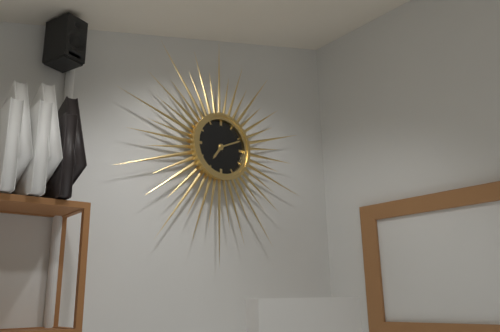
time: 7:11
